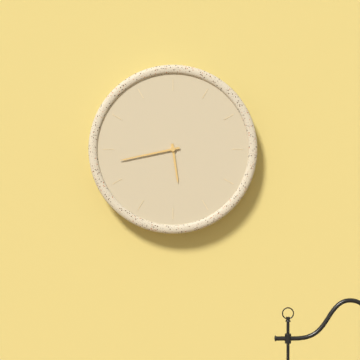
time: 5:43
